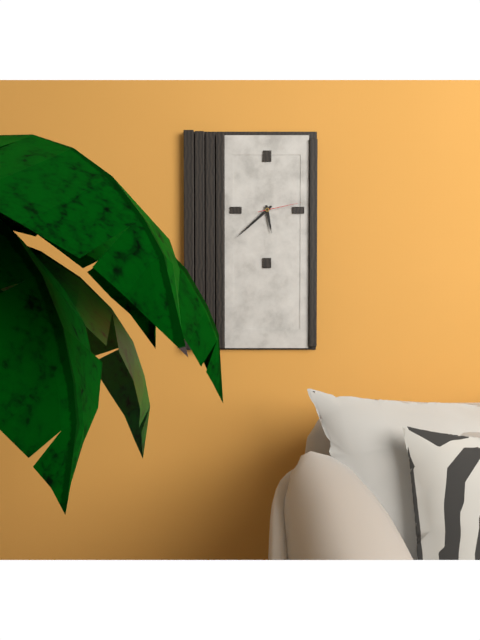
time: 5:38
